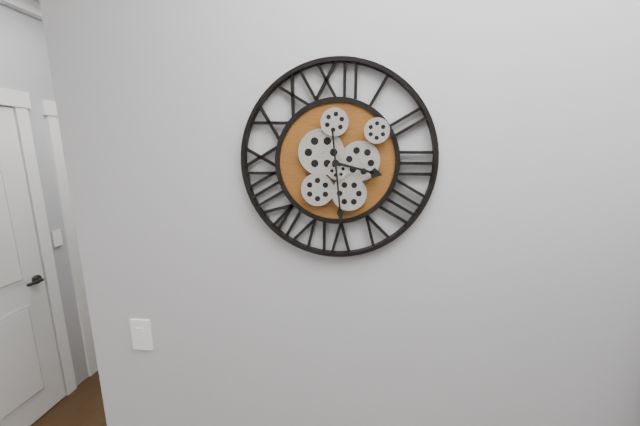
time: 3:29
